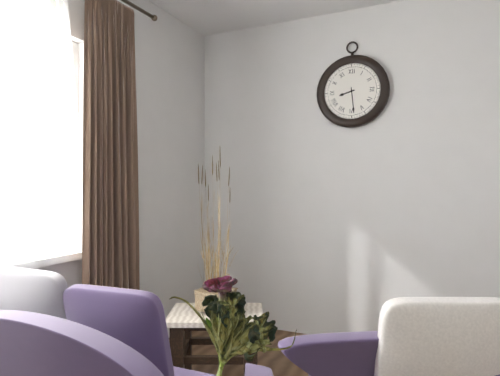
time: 8:29
